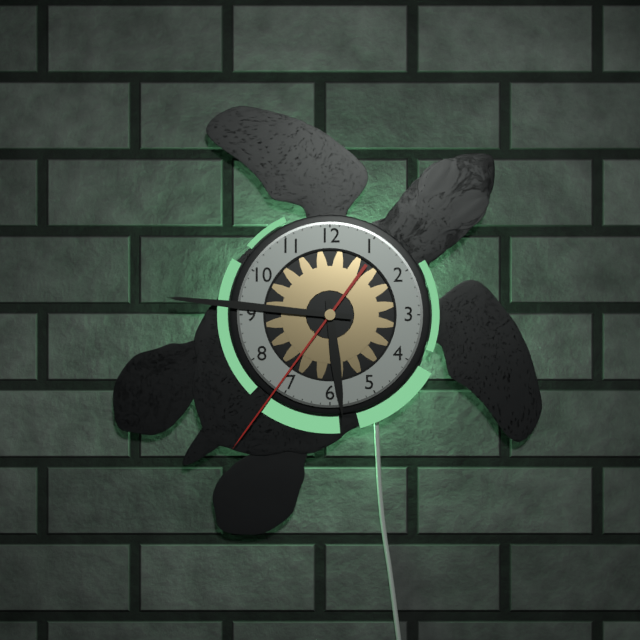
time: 5:46:36
